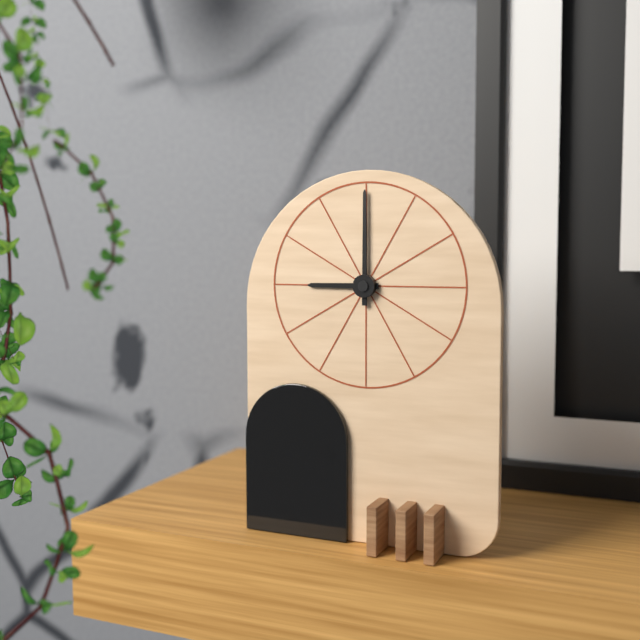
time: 9:00
